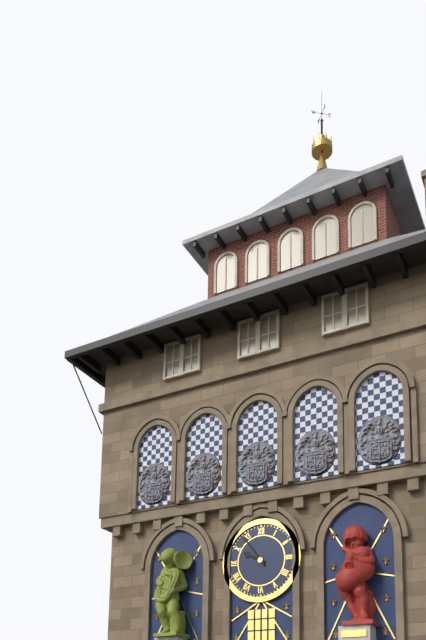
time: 9:54
